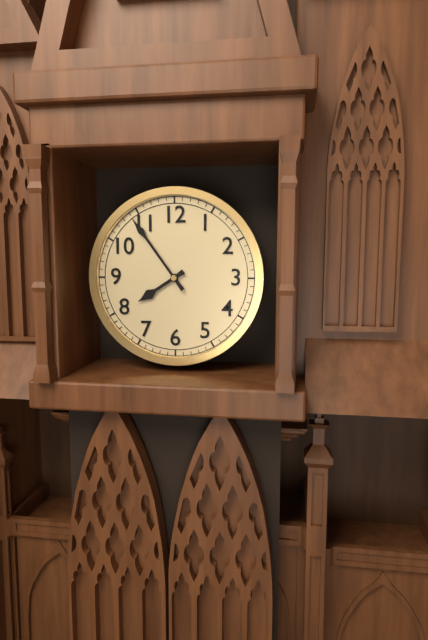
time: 7:54
